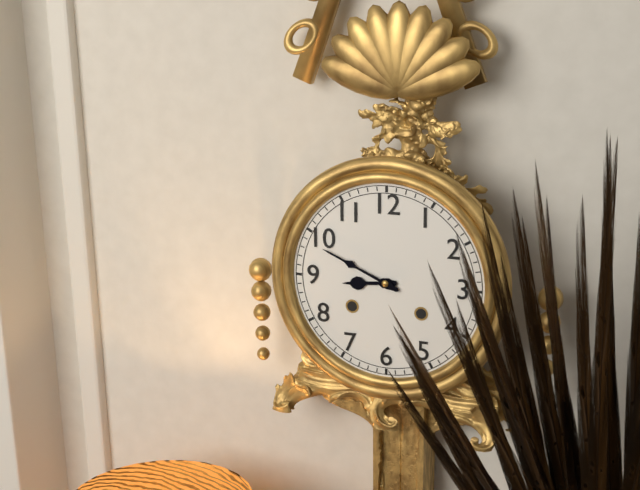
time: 8:49
